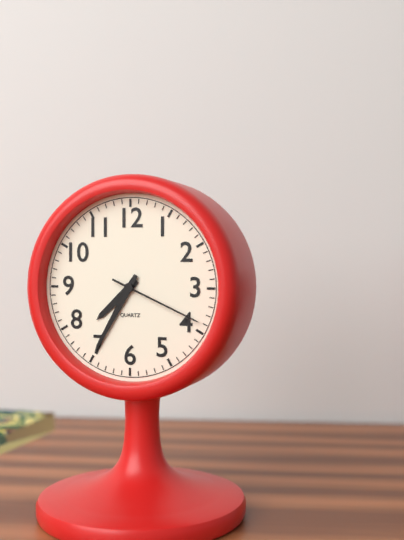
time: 7:35:19
